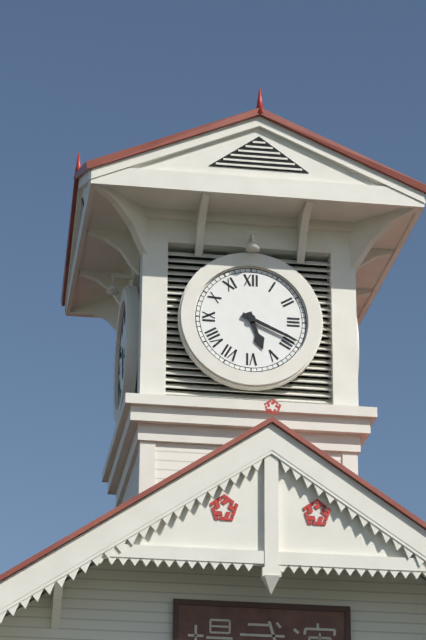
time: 5:19
